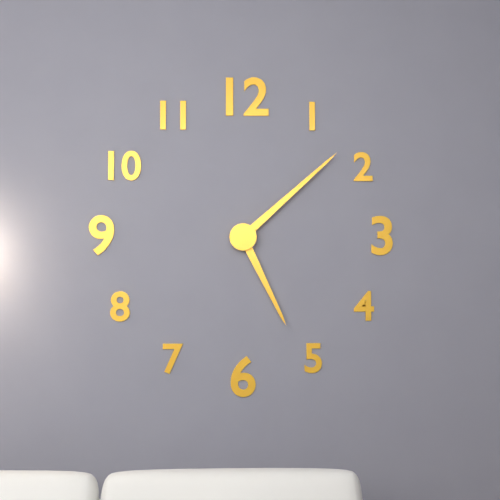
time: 5:08
